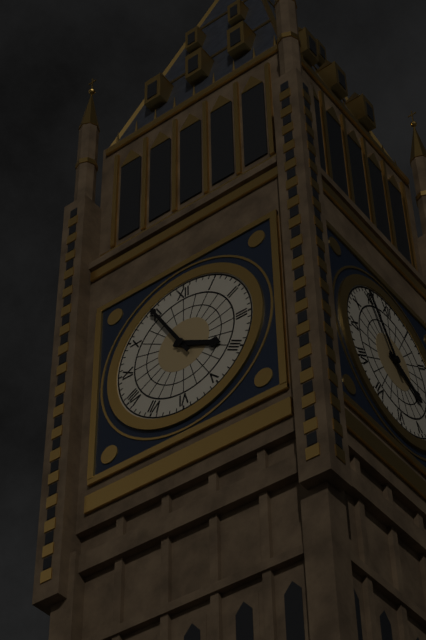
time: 3:55
